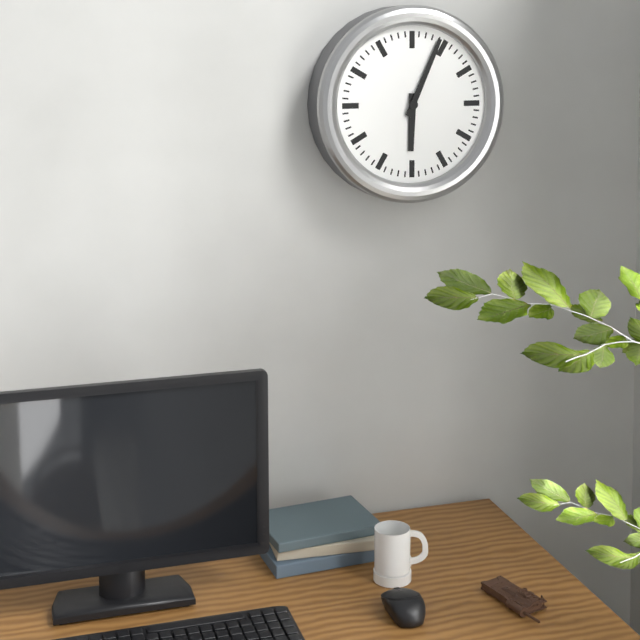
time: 6:04
